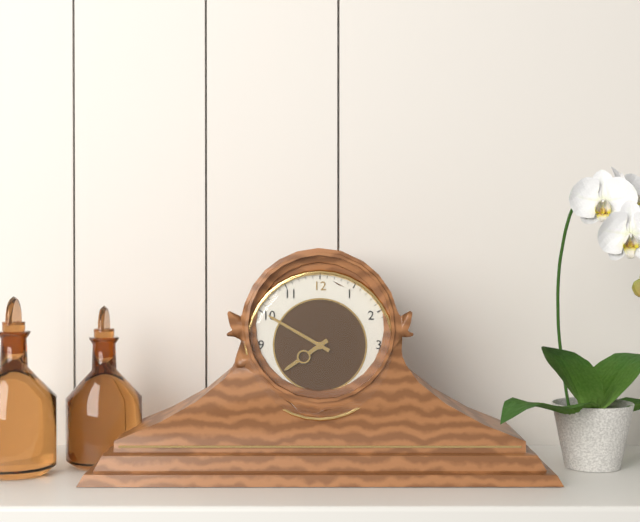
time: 7:50
